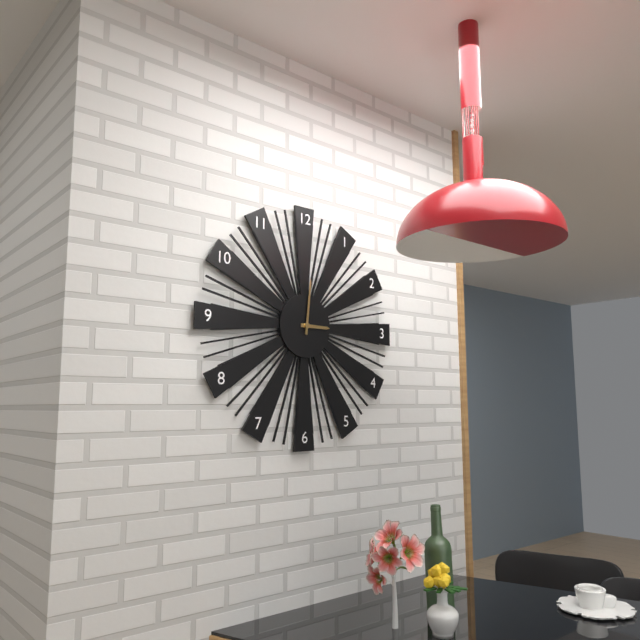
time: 3:01
